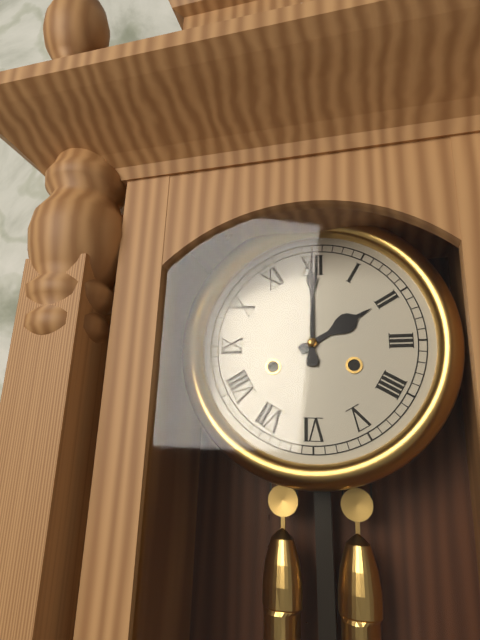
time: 2:00
